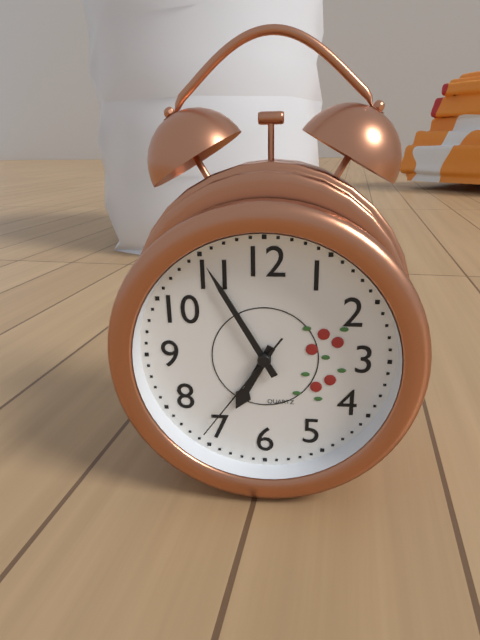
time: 6:55:36
